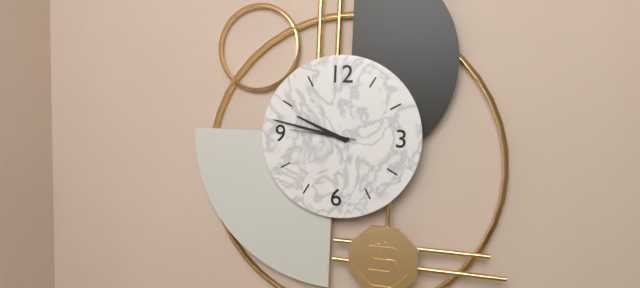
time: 9:47:46
